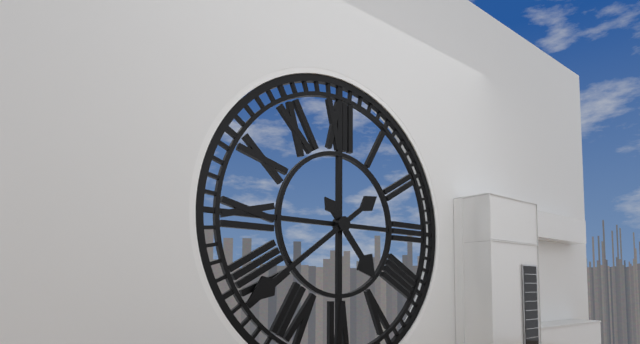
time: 4:39
